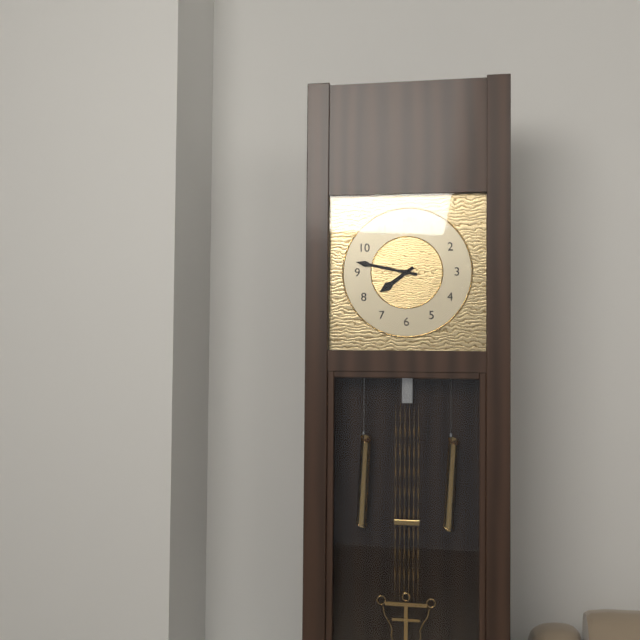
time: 7:47
